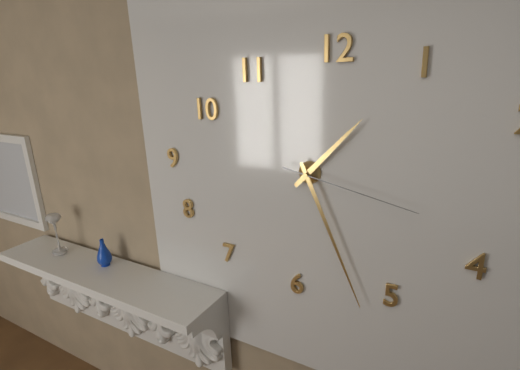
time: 1:26:17
